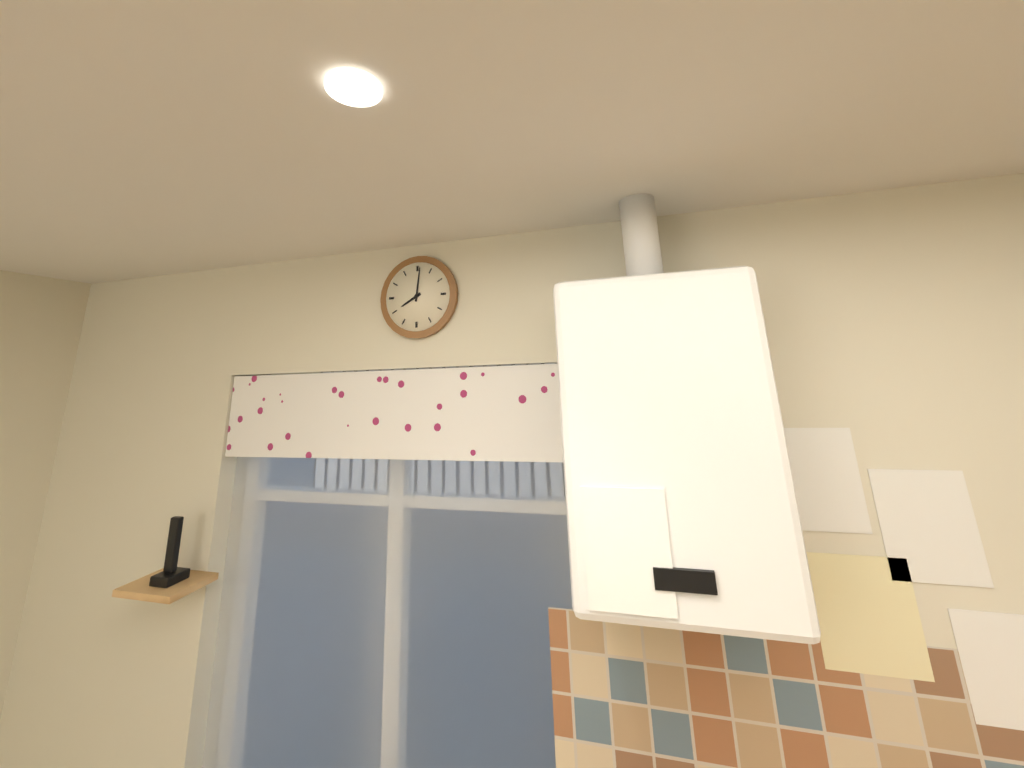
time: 8:01
